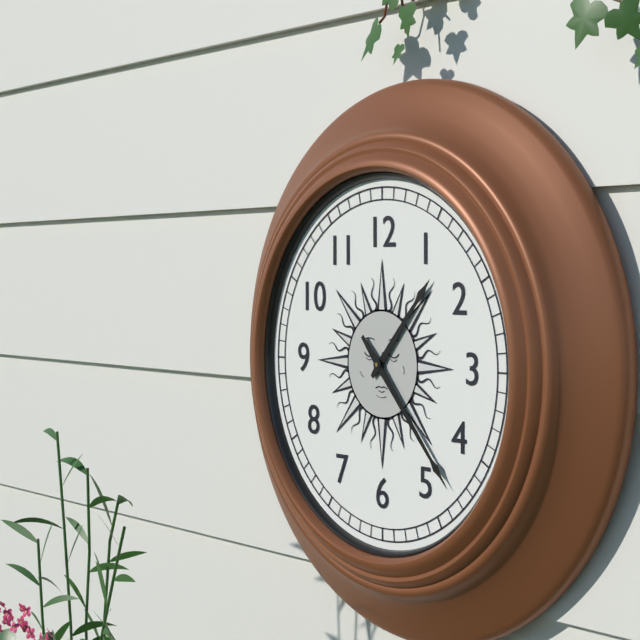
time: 1:23
